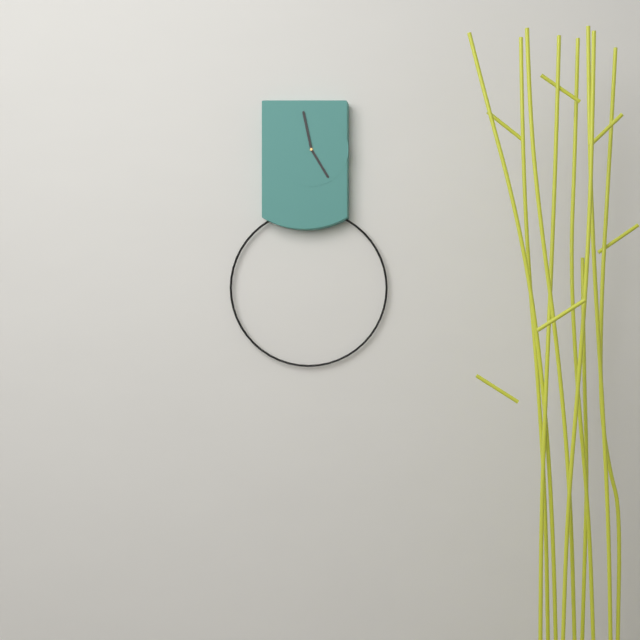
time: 4:58
